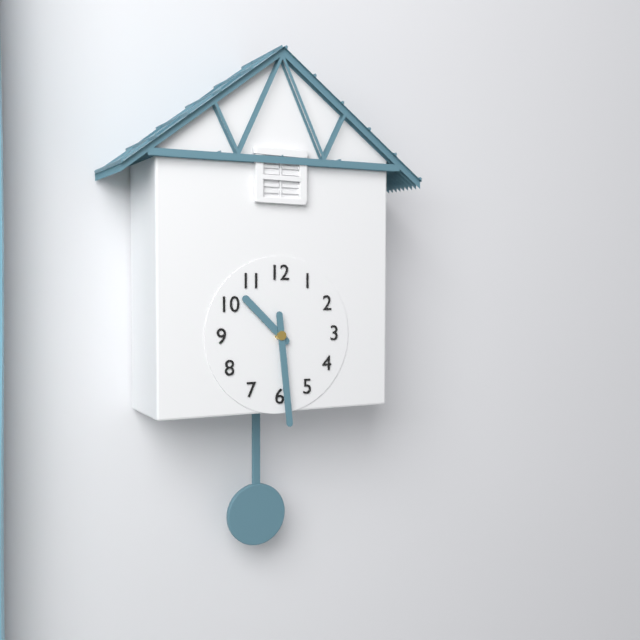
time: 10:29
